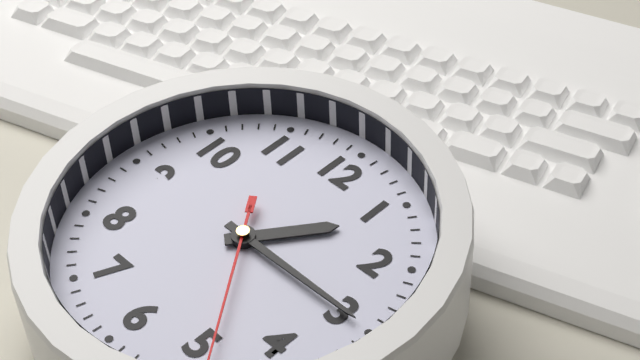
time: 1:15
